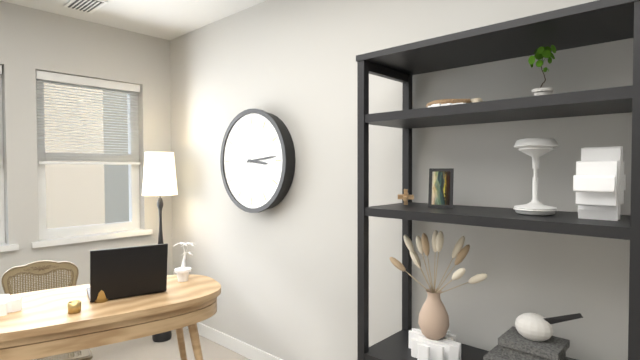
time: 3:14
